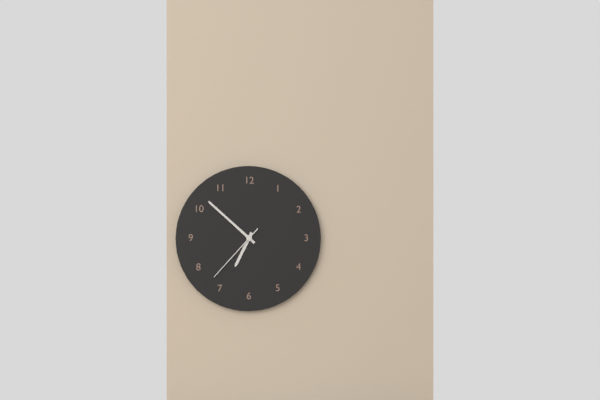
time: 6:52:37
